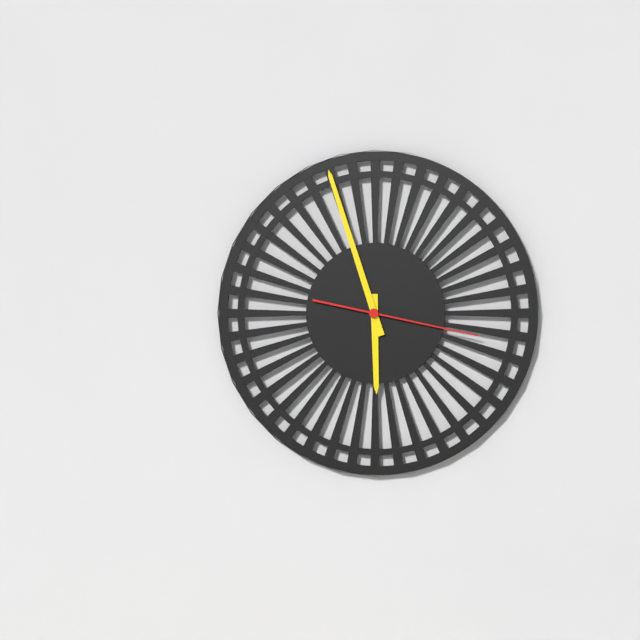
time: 5:57:17
